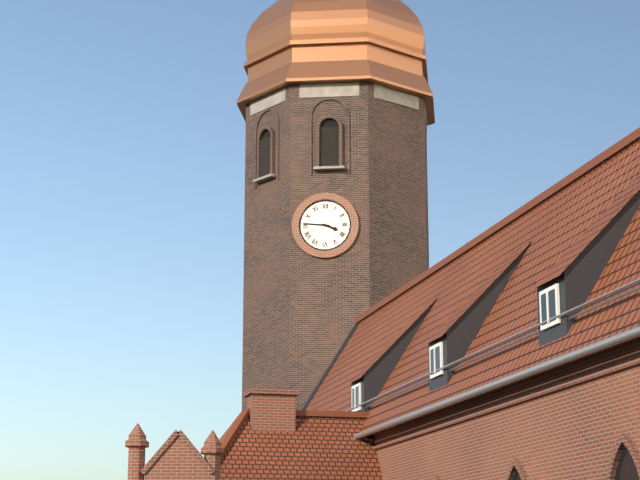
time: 3:46
